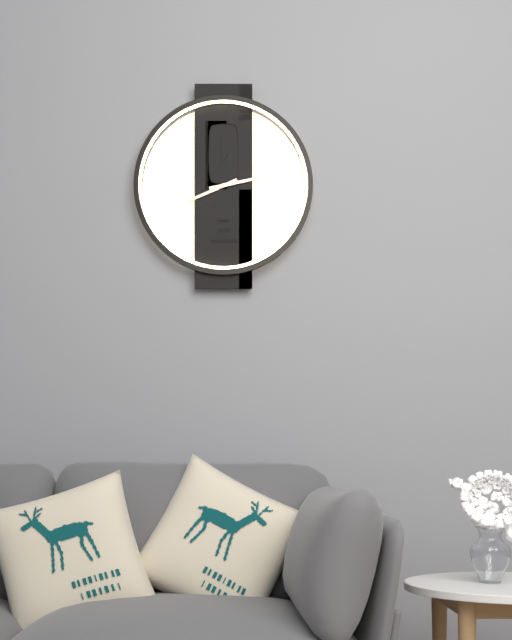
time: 8:13
